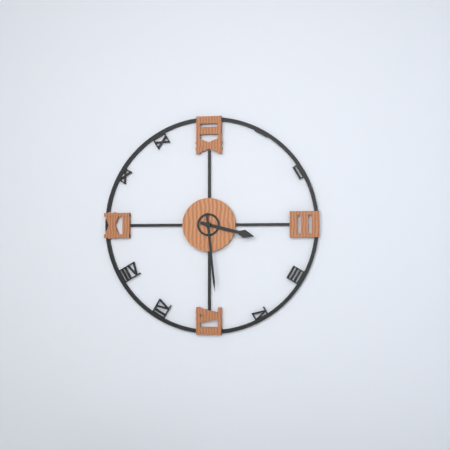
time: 3:29
